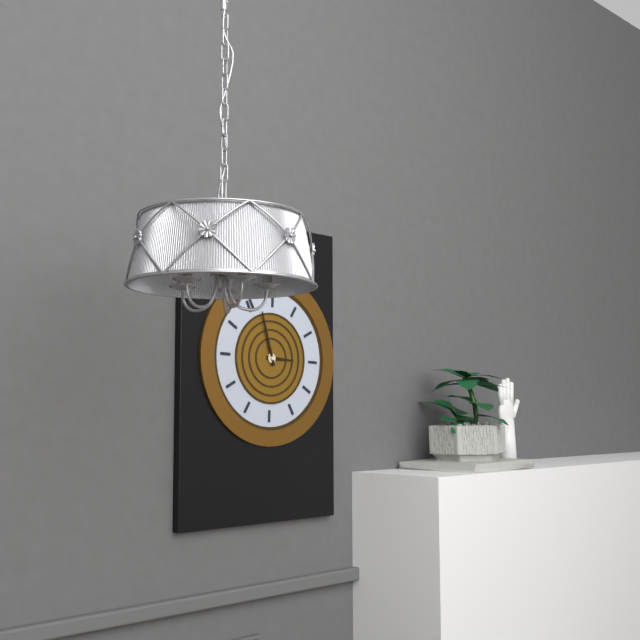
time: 4:02
